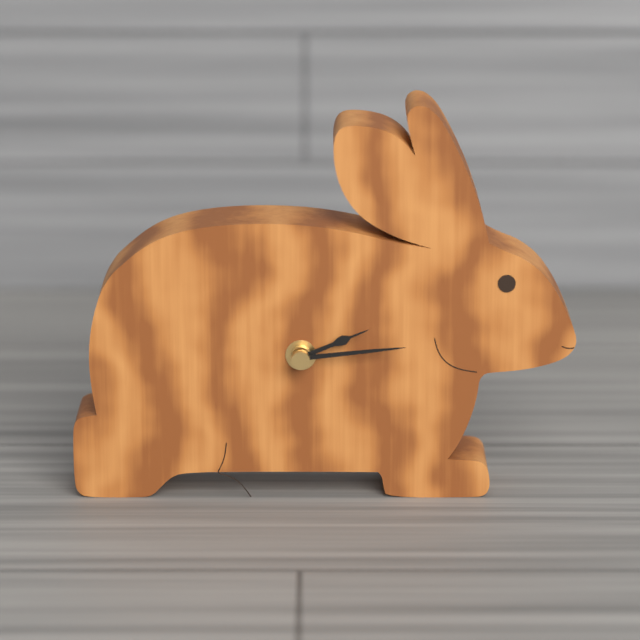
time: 2:14
